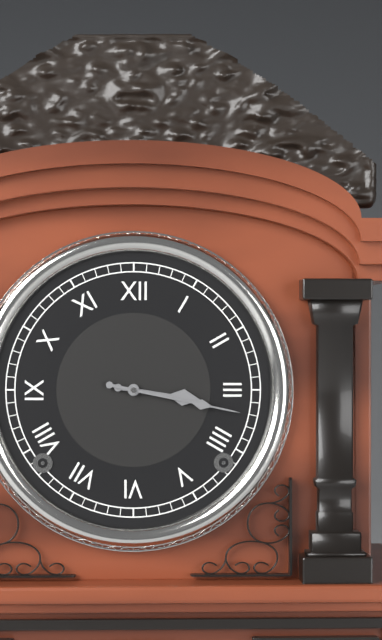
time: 3:17
